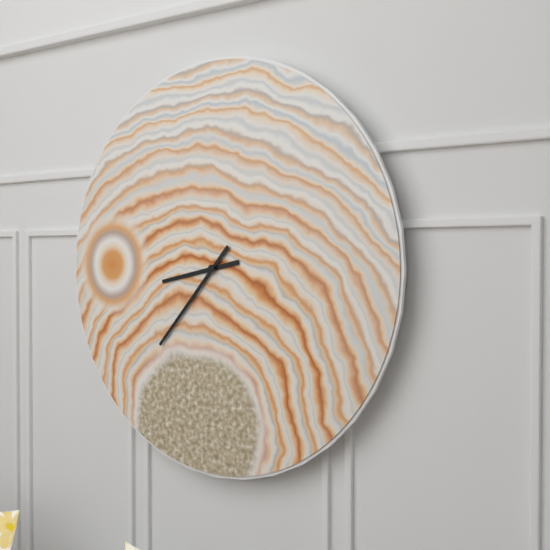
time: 8:37
